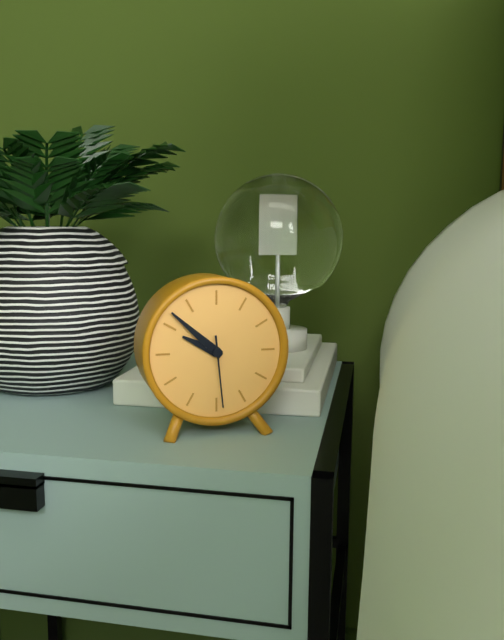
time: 9:52:29
